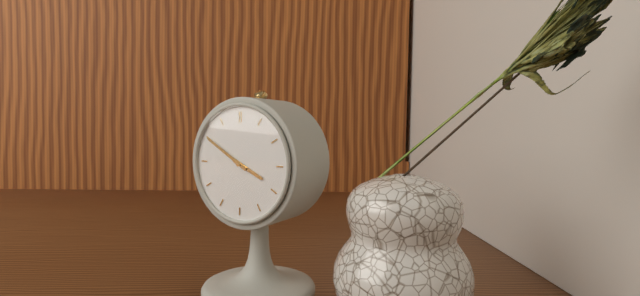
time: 3:50
